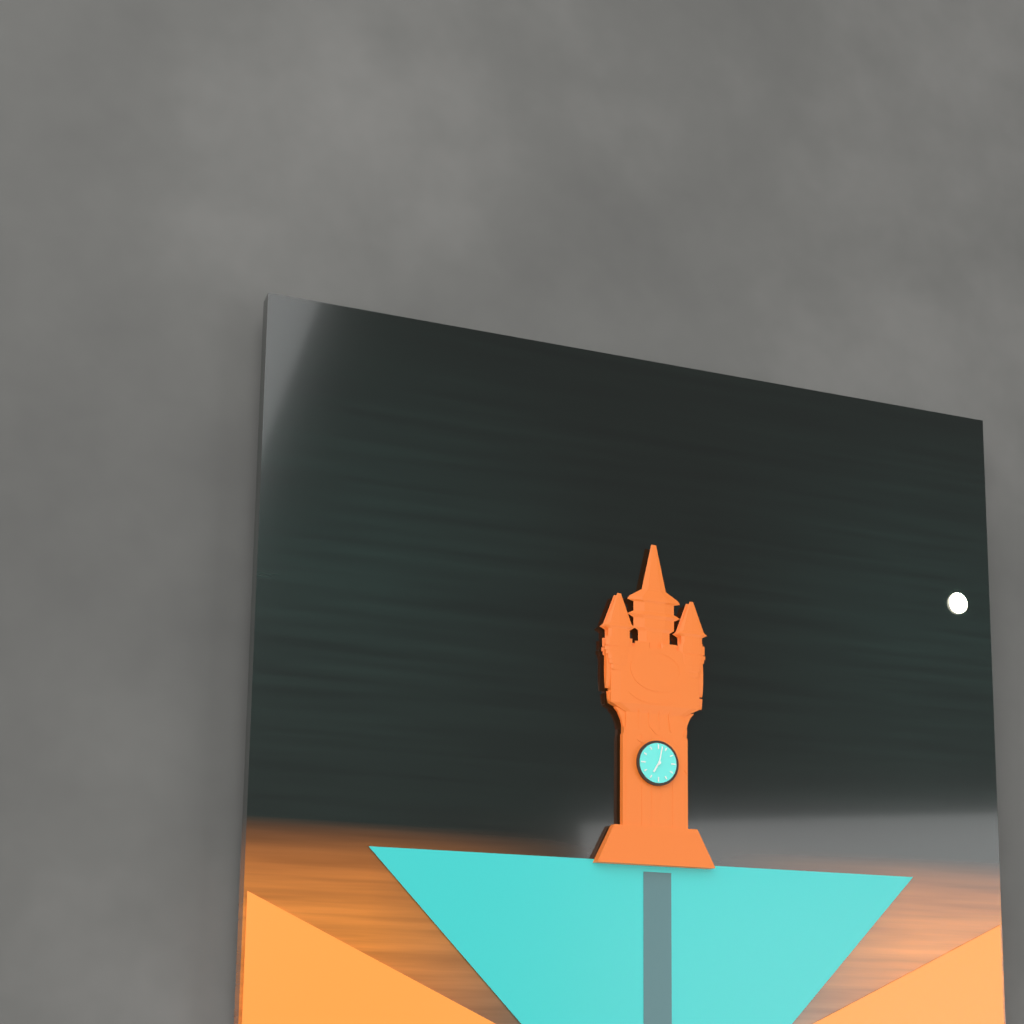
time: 7:02
